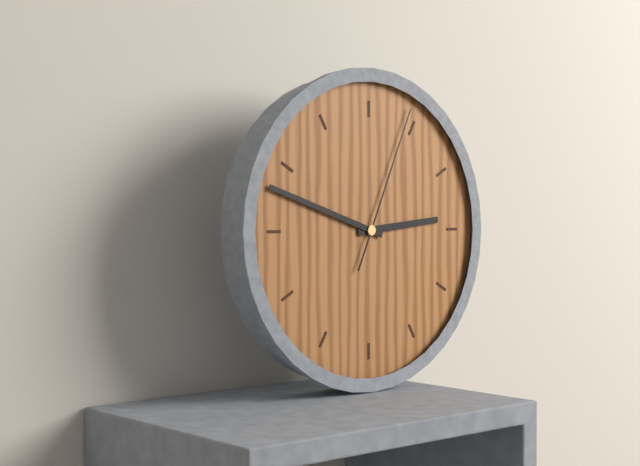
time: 2:48:04
